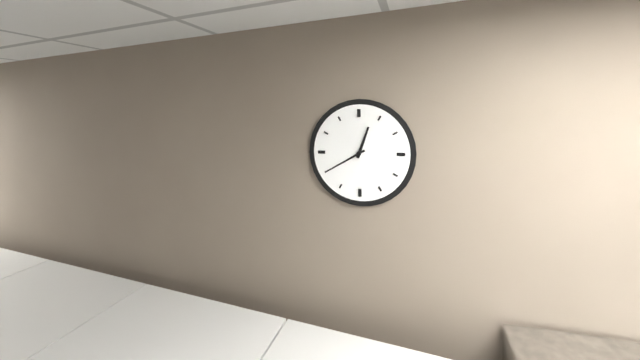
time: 12:40
